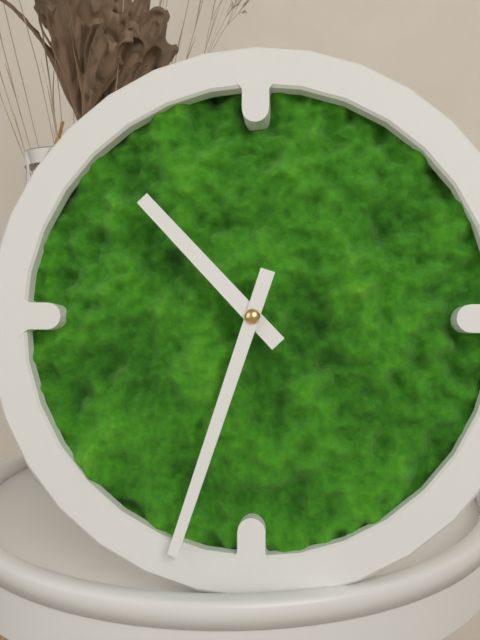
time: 10:33
